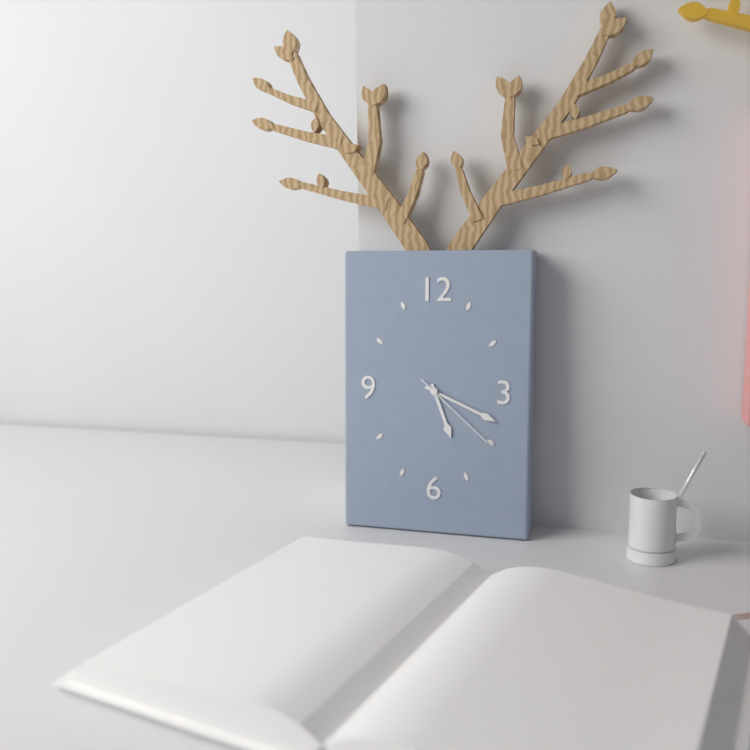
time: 5:19:22
